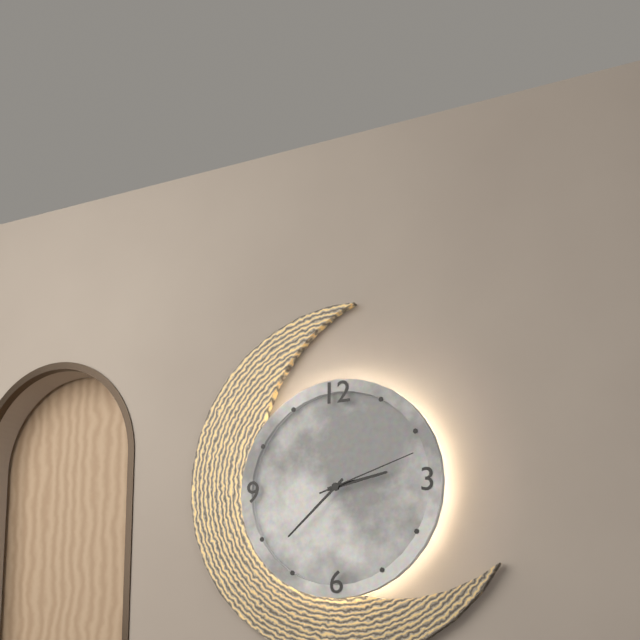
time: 2:38:12
